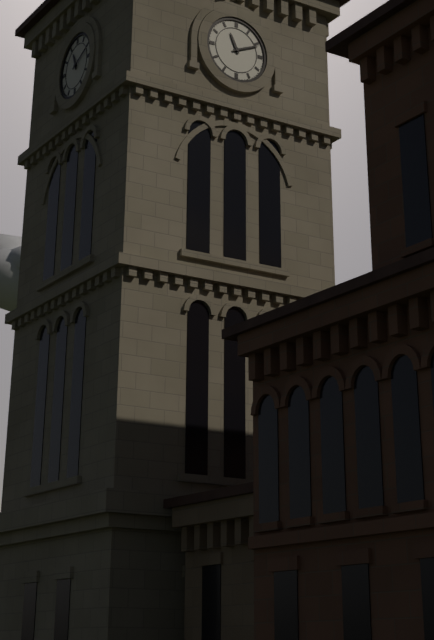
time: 11:11
